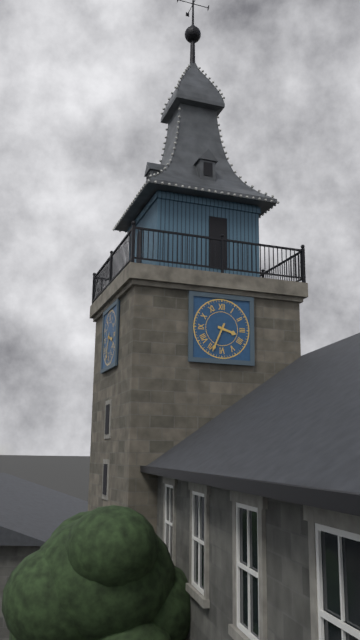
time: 3:34
